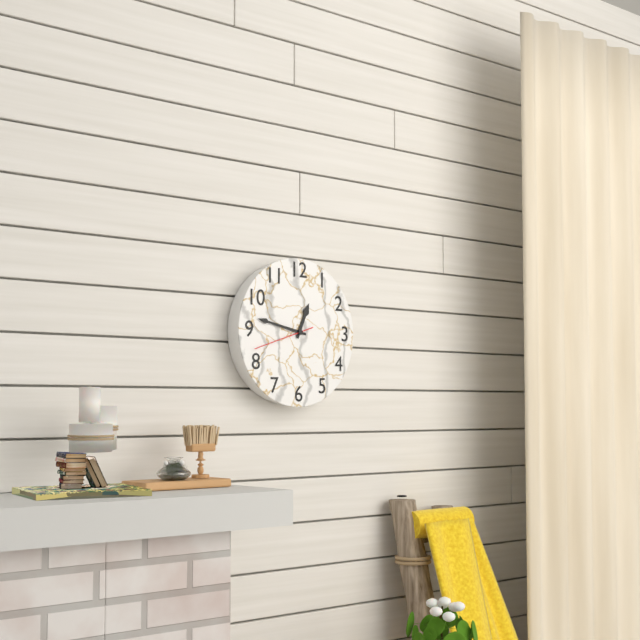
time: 12:47:42
